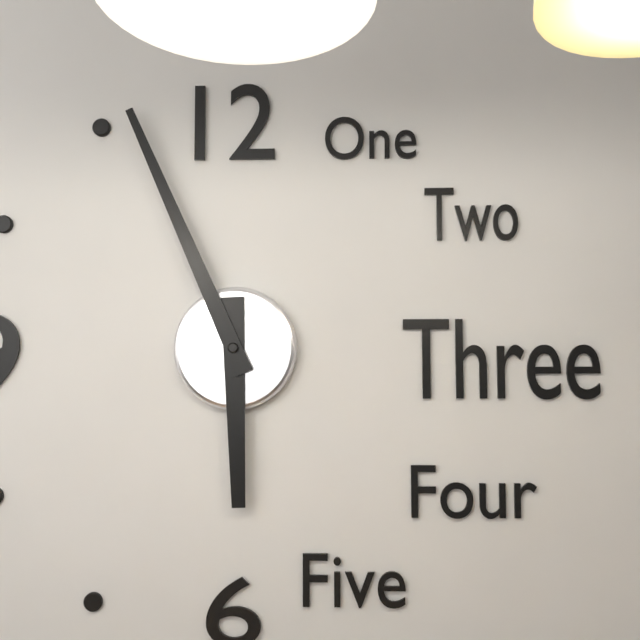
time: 5:56
